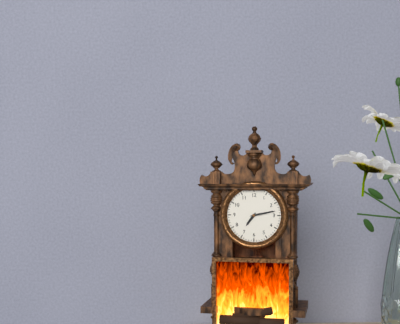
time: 7:13
